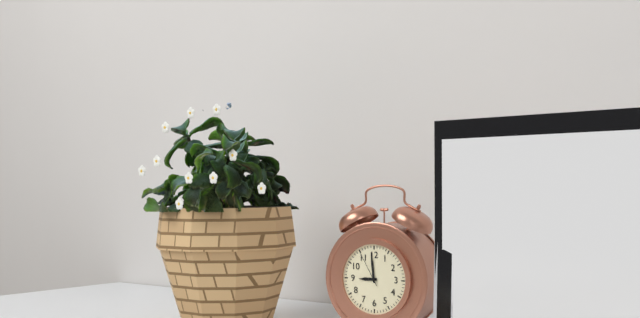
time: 8:59
